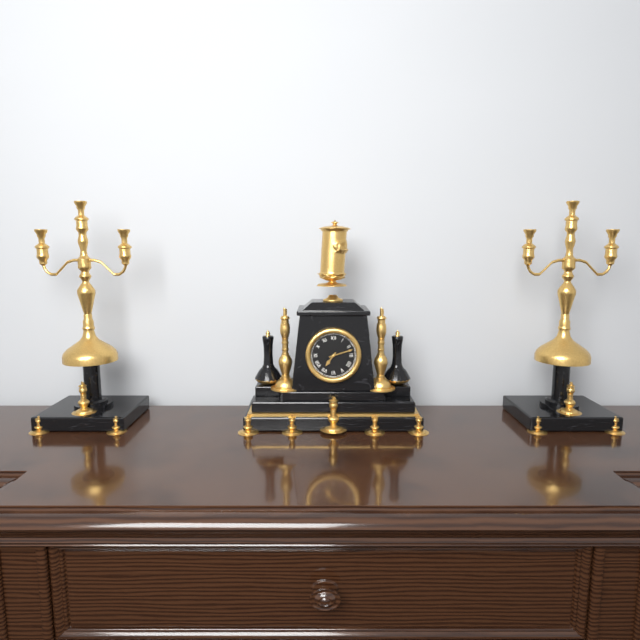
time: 7:12
